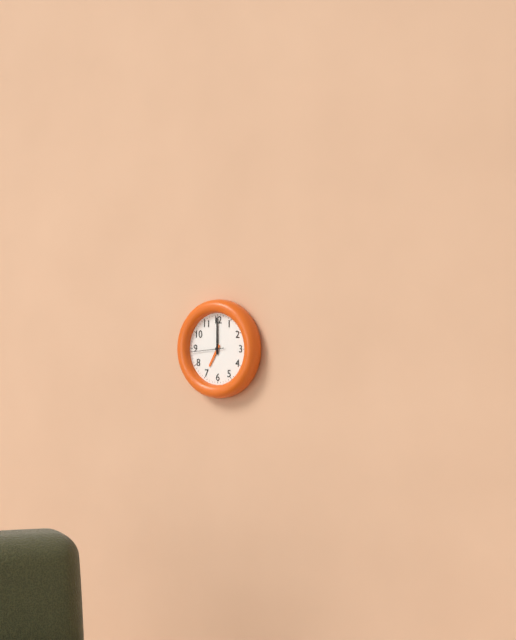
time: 7:00
